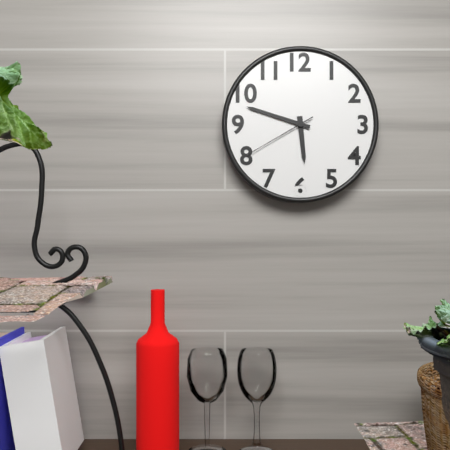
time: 5:48:40
